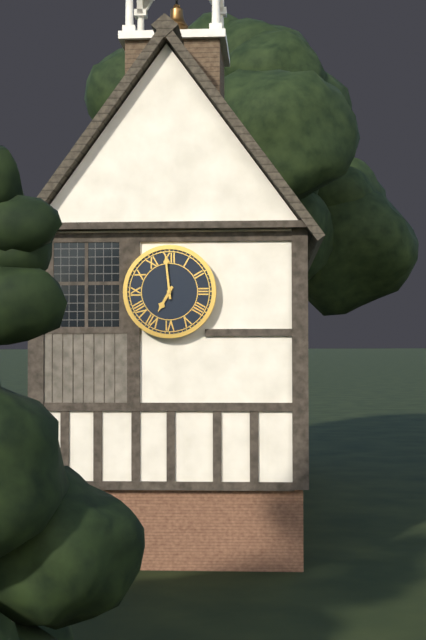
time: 6:59
